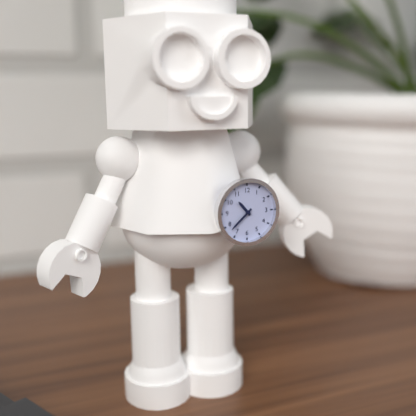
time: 10:38
